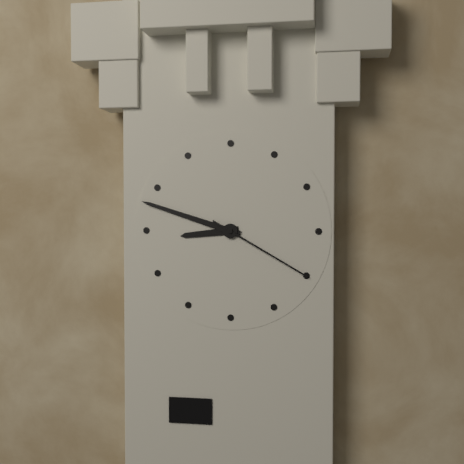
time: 8:48:20
